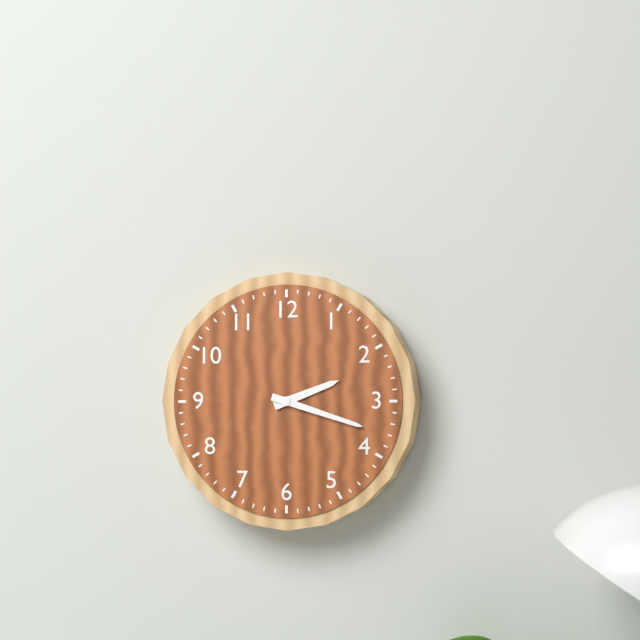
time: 2:18
